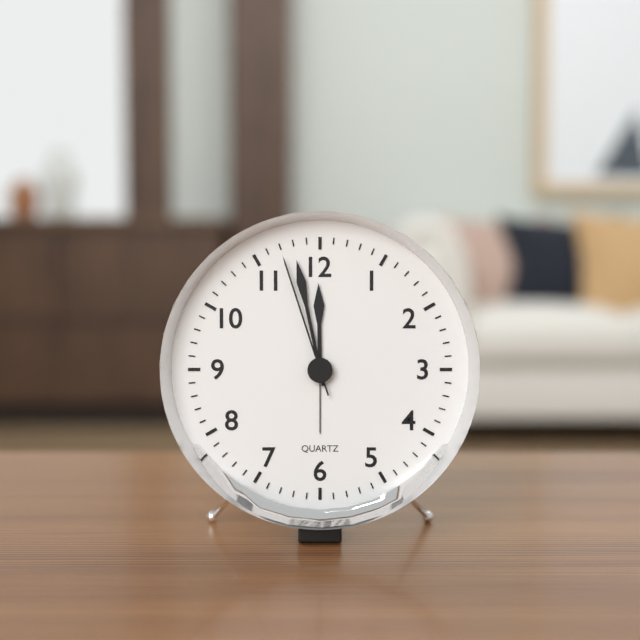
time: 11:58:57
